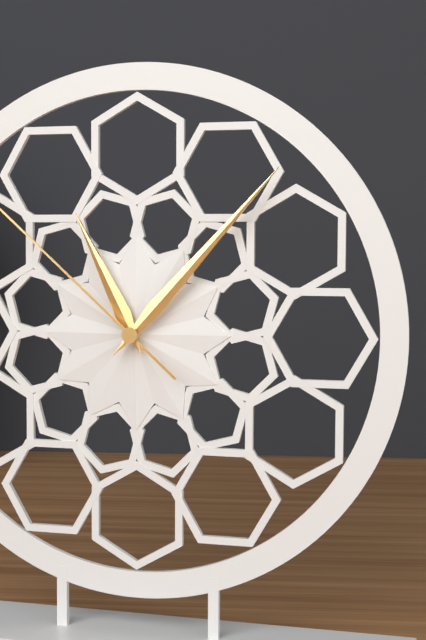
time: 11:07
